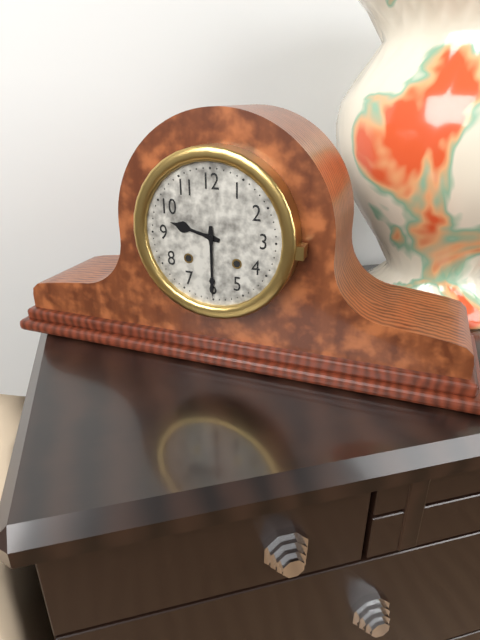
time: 9:30
